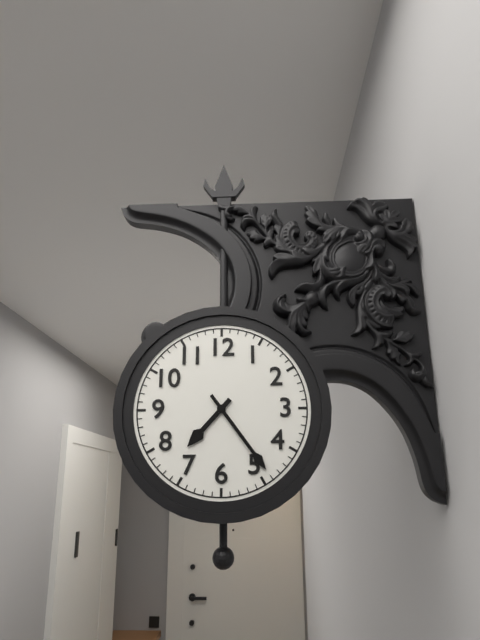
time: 7:24
